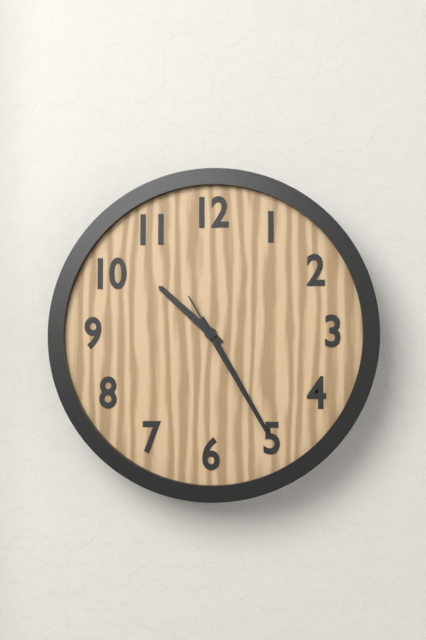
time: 10:25:25
